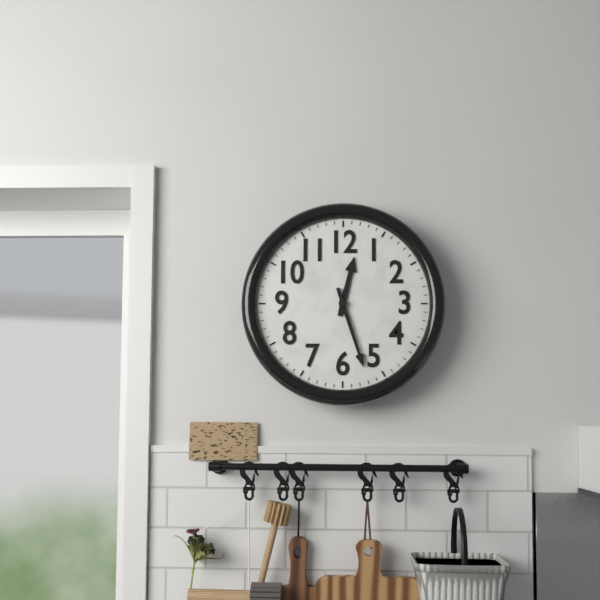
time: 12:27
